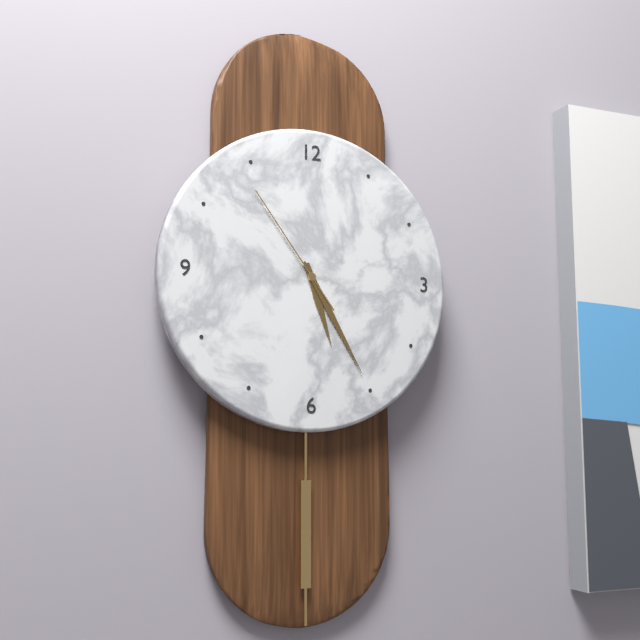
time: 5:25:54
